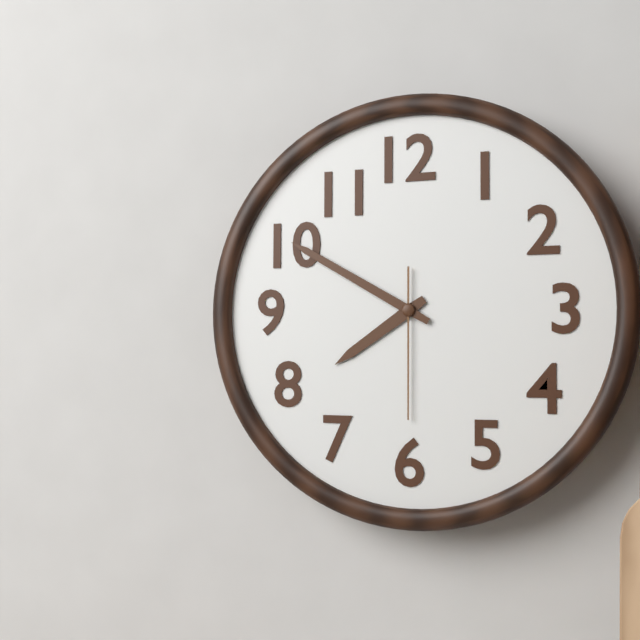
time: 7:50:30
